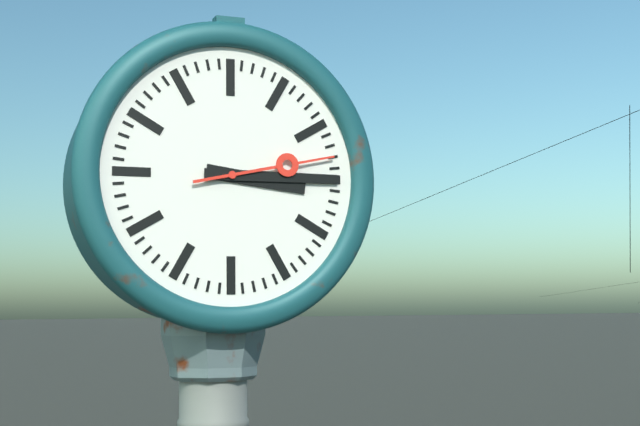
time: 3:15:13
